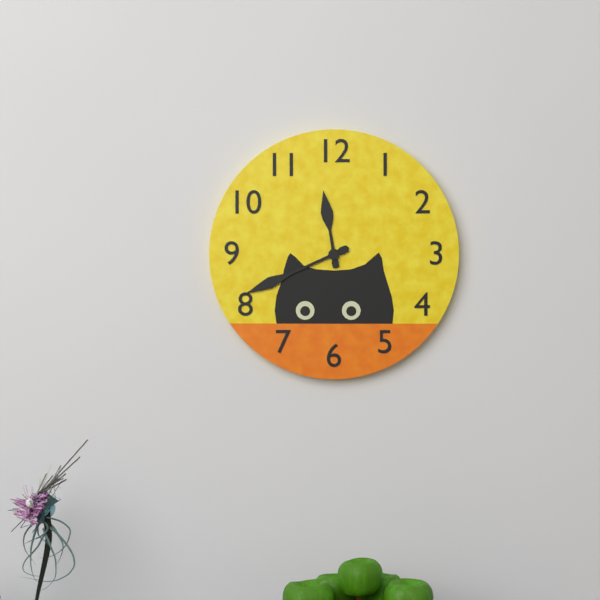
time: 11:41
